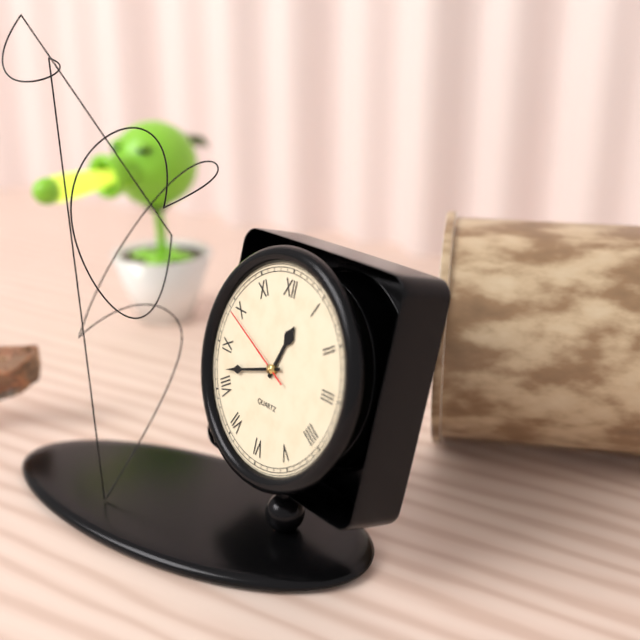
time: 12:42:49
